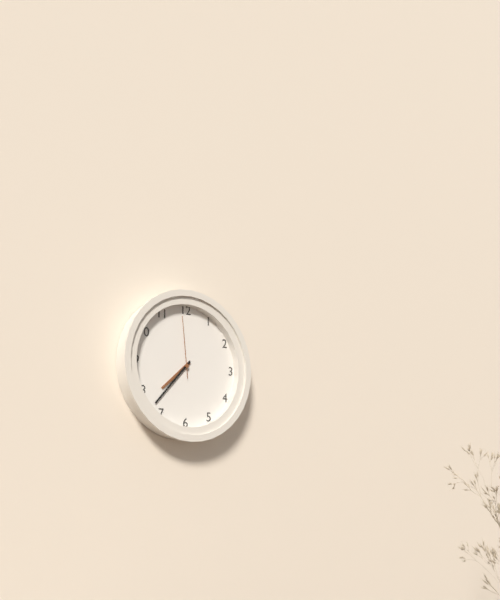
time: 7:37:59
